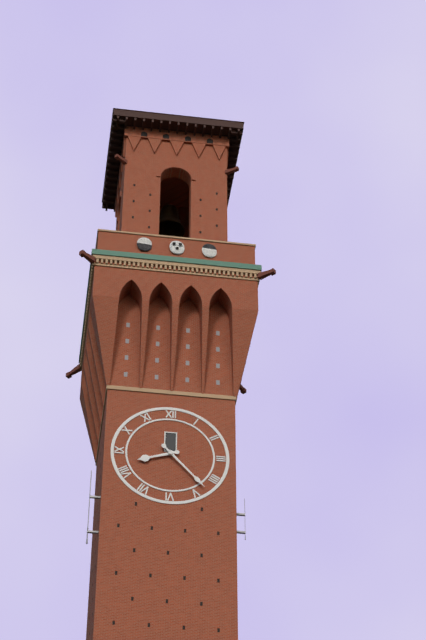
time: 8:23
